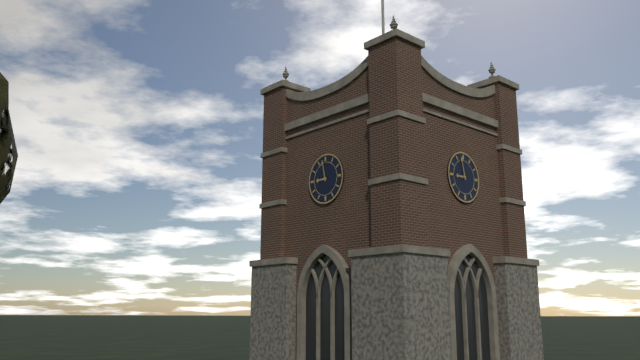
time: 8:58
